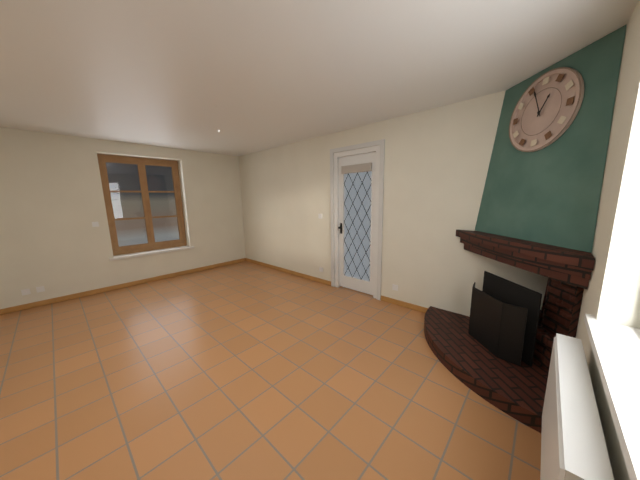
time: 12:56
